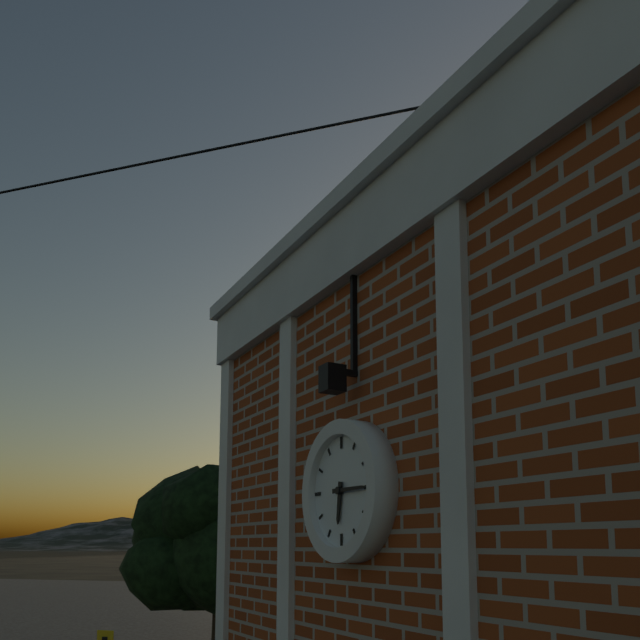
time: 6:15
